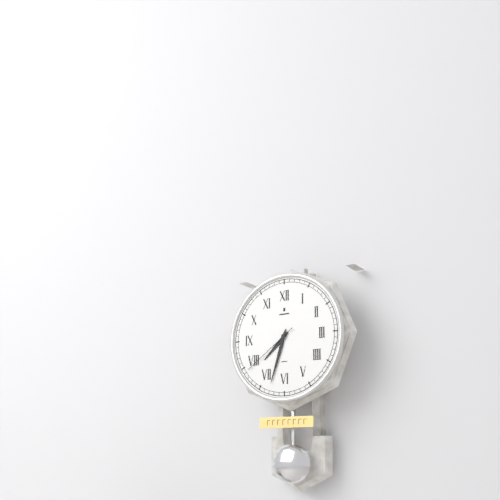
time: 7:33:39
